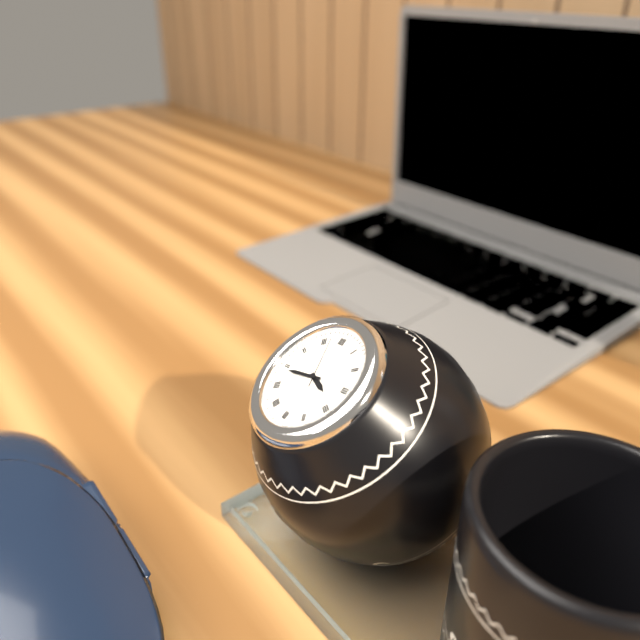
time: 3:44:57
